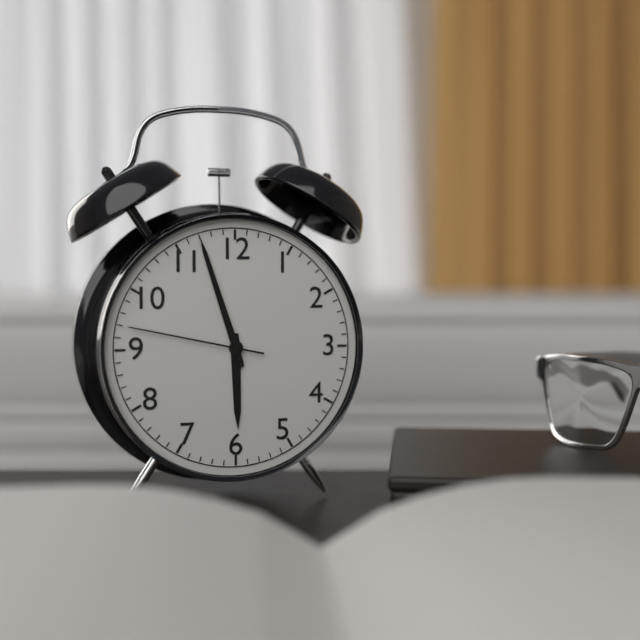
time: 5:57:47
